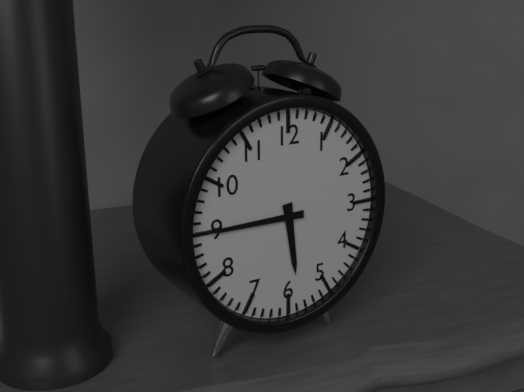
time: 5:45
